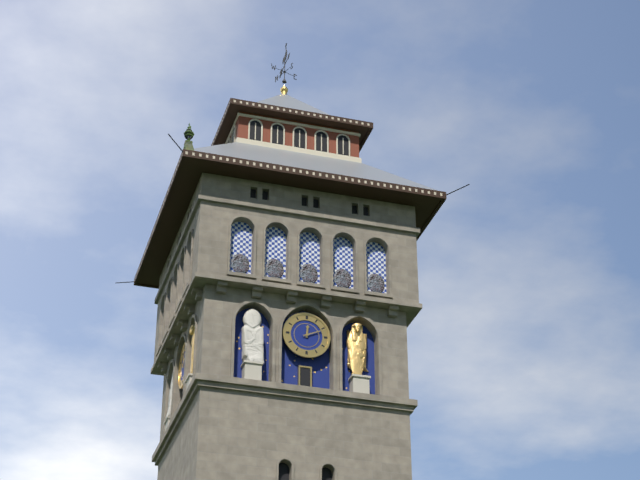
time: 12:11
